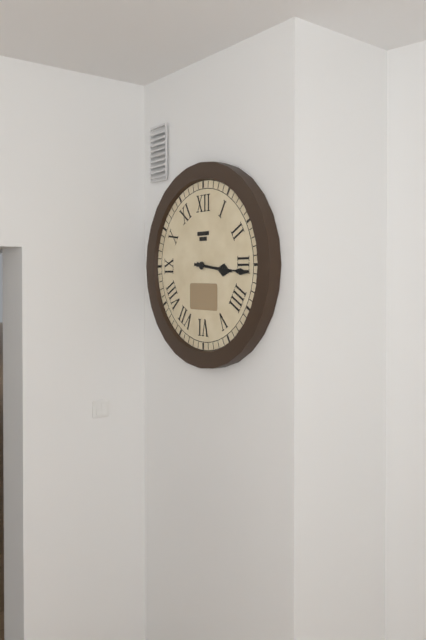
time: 3:16
